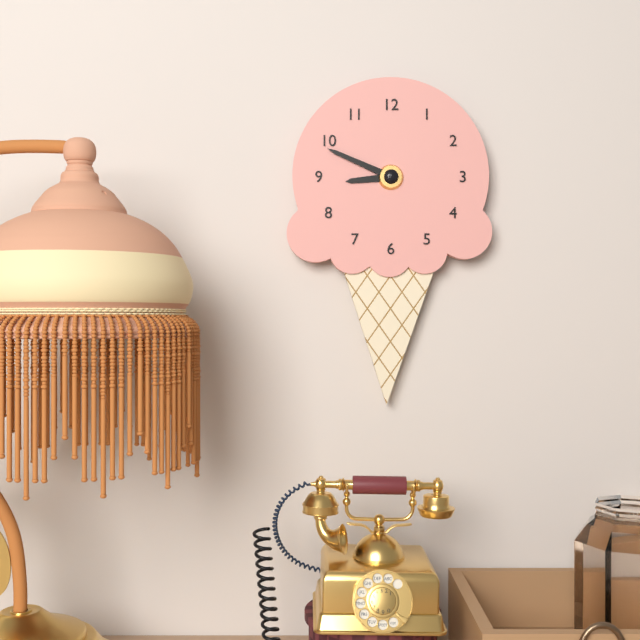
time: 8:49
